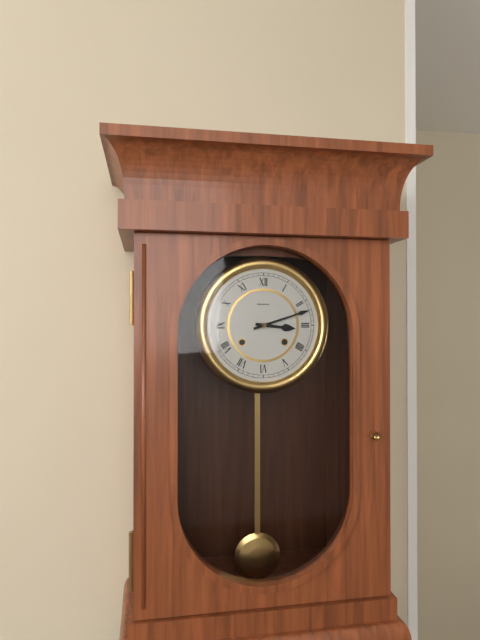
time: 3:12
